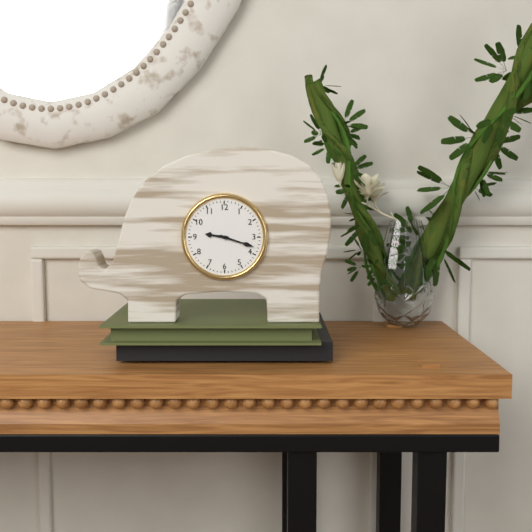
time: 9:18
